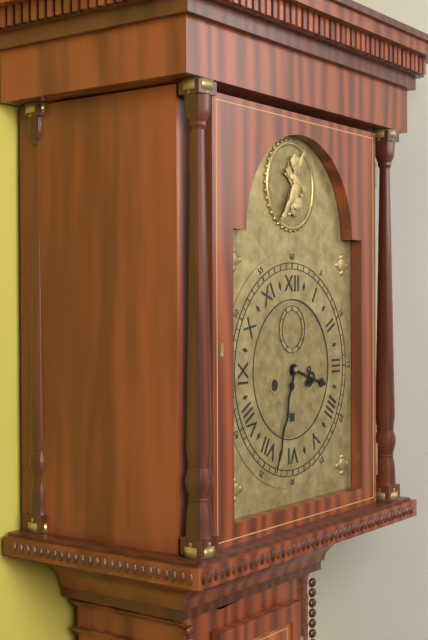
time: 3:33
